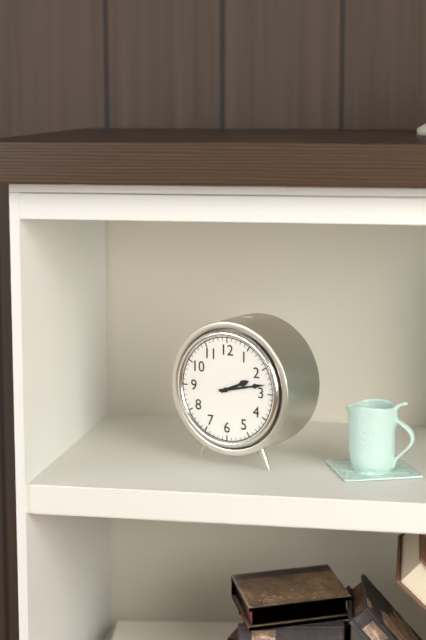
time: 2:13
